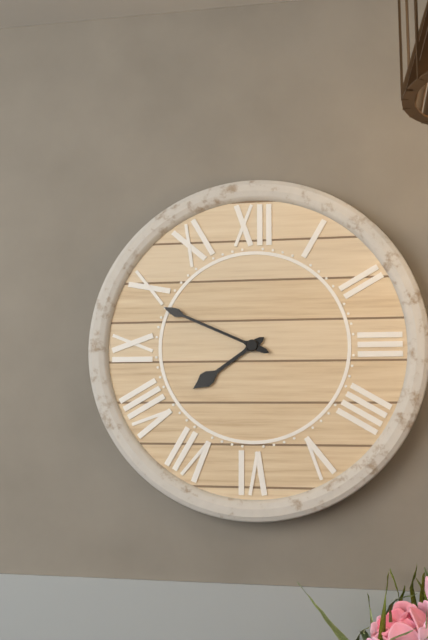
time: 7:49
